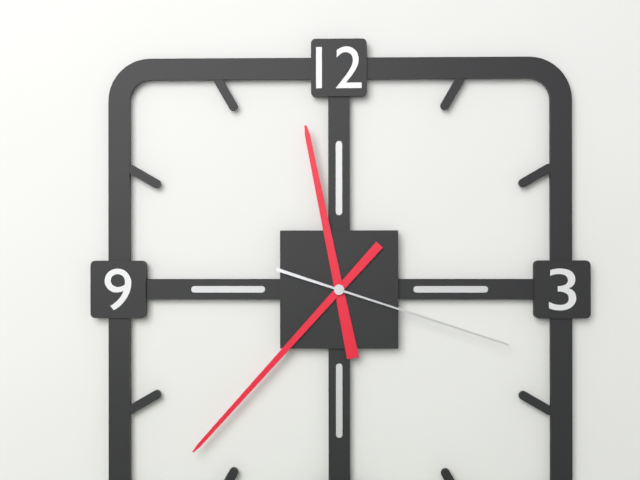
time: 11:37:18
